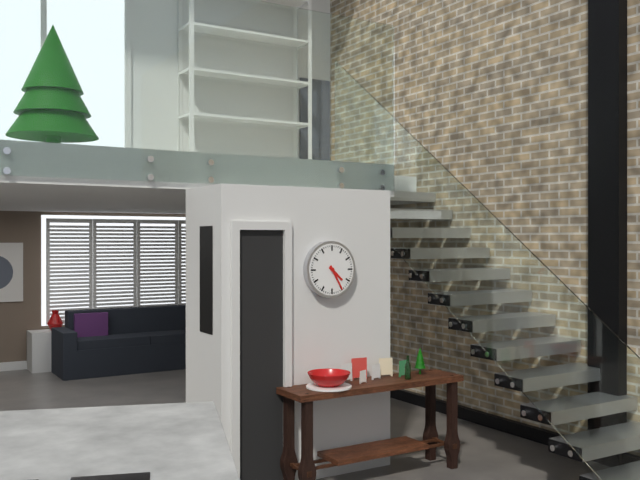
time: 4:25
